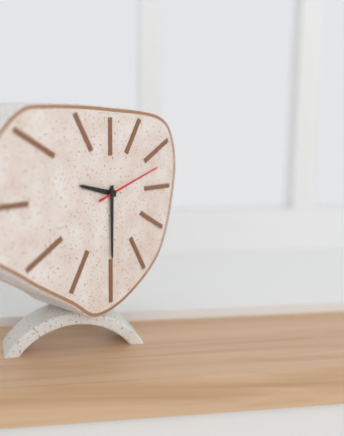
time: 9:30:12
